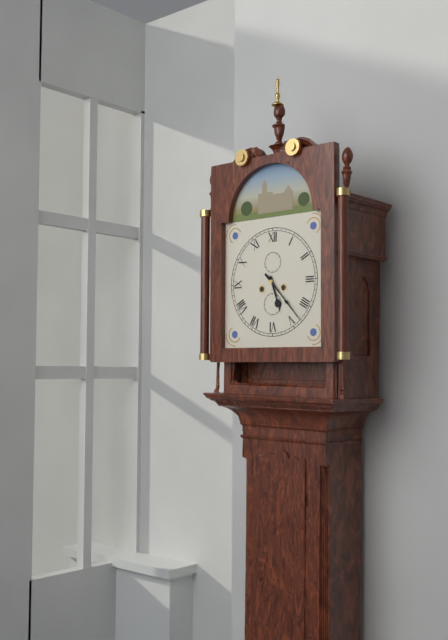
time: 5:23
